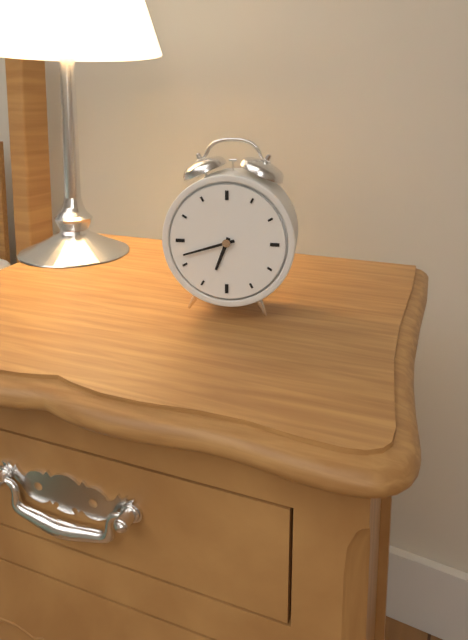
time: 6:42
